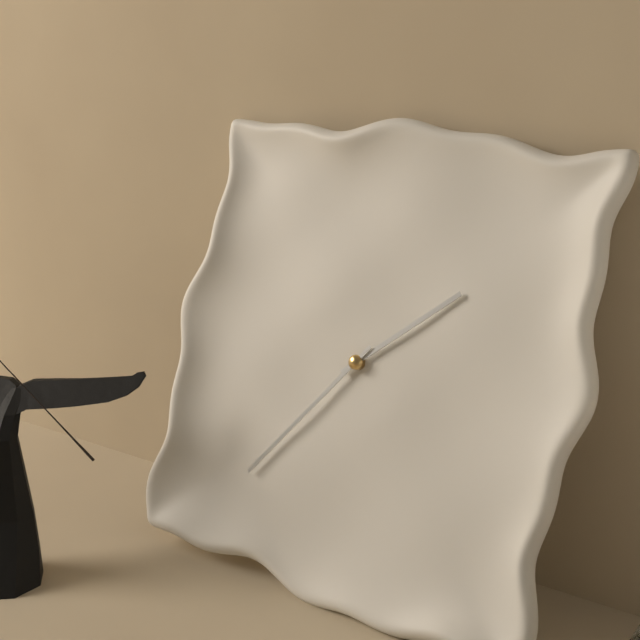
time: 1:36
